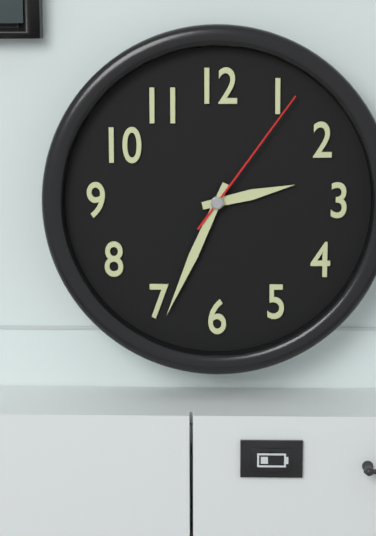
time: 2:34:06
